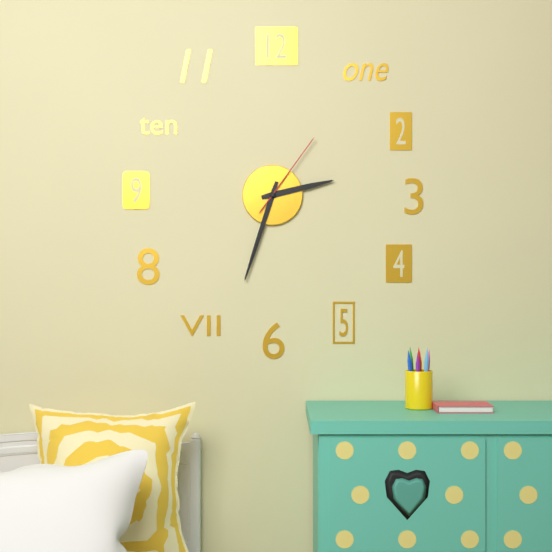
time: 2:33:06
